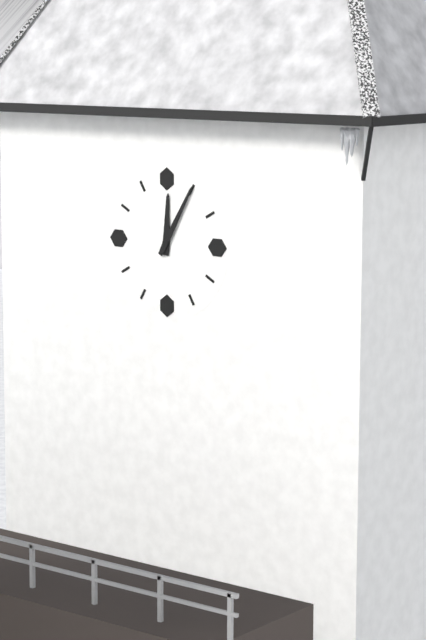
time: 12:05
